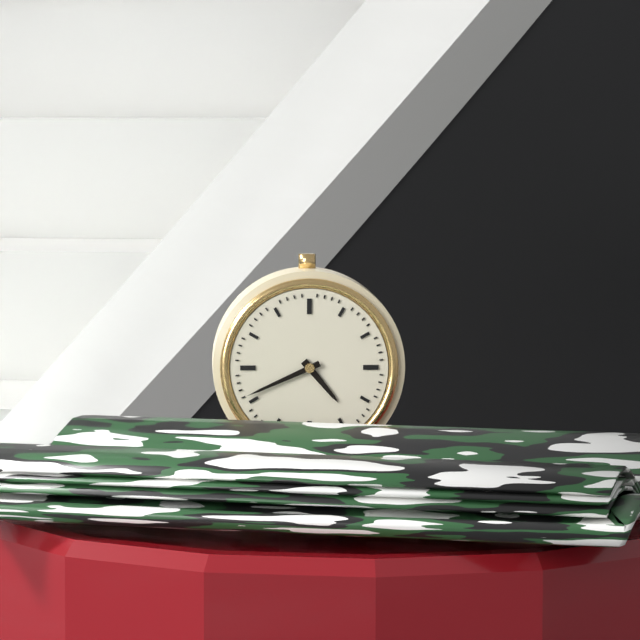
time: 4:41
